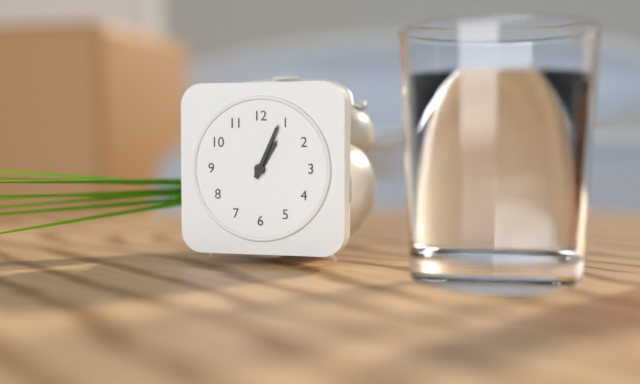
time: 1:04
